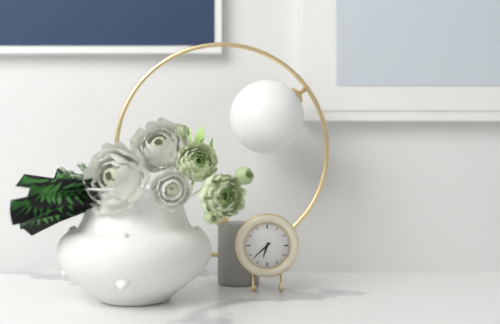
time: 6:38
